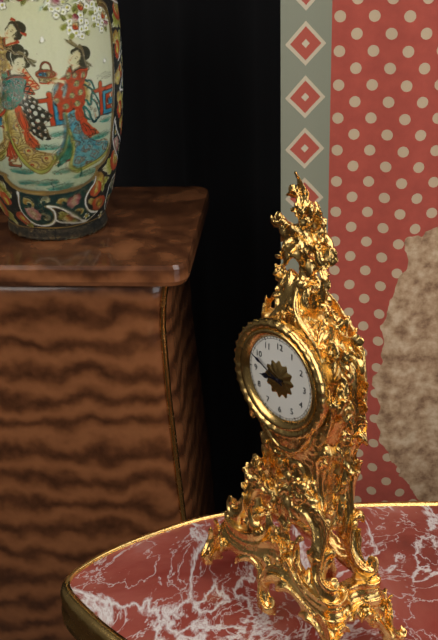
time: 8:49
